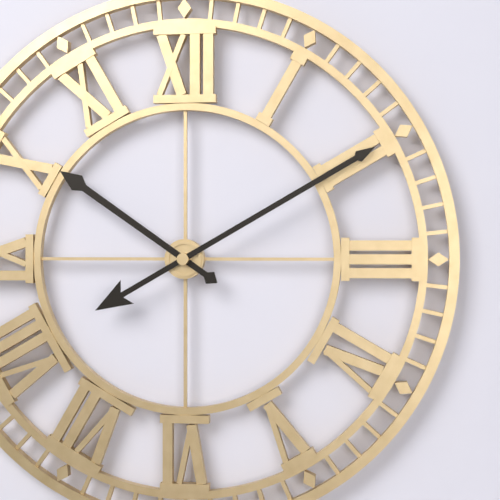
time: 10:10
